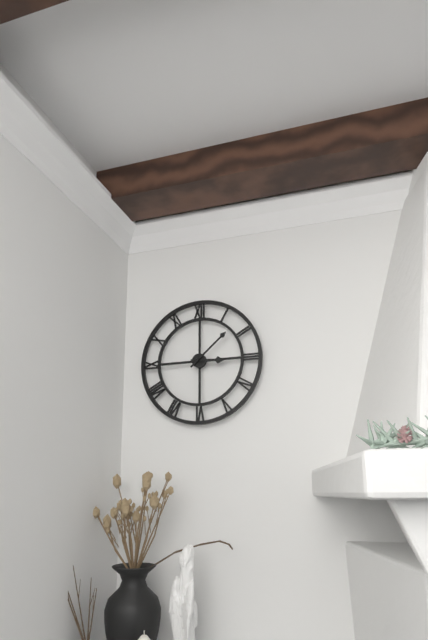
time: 3:08
